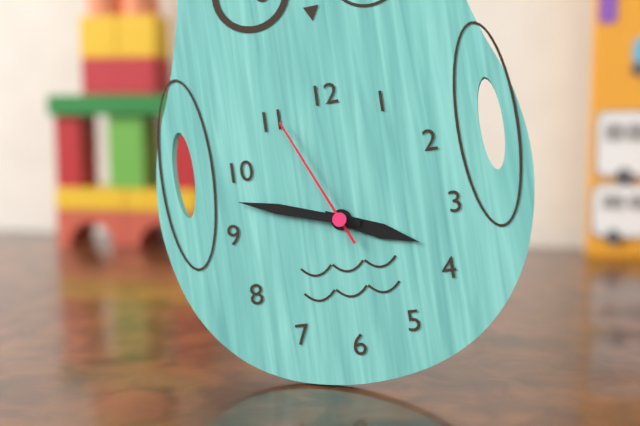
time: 3:48:56
